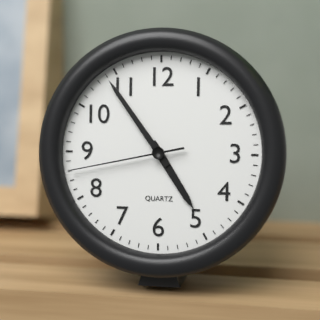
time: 4:54:43
